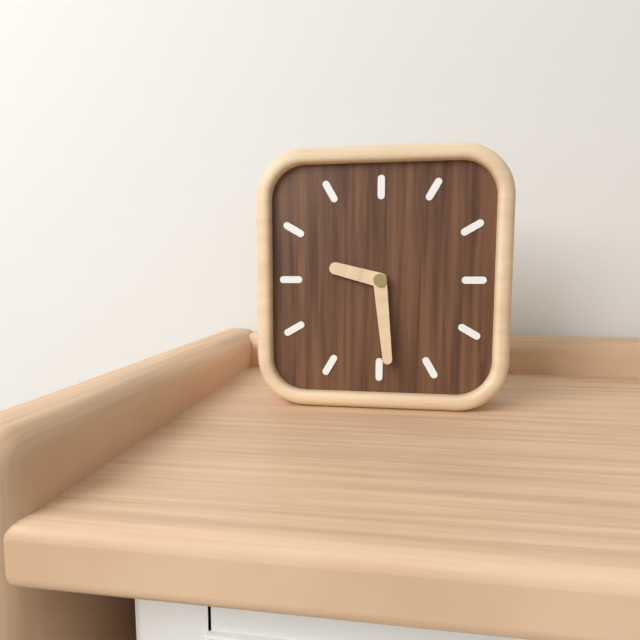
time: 9:29
